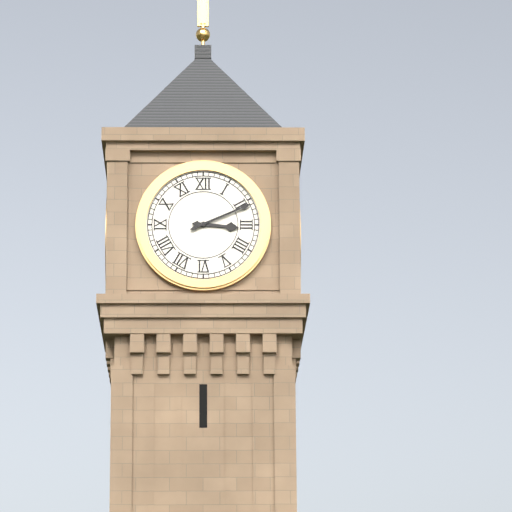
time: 3:11
